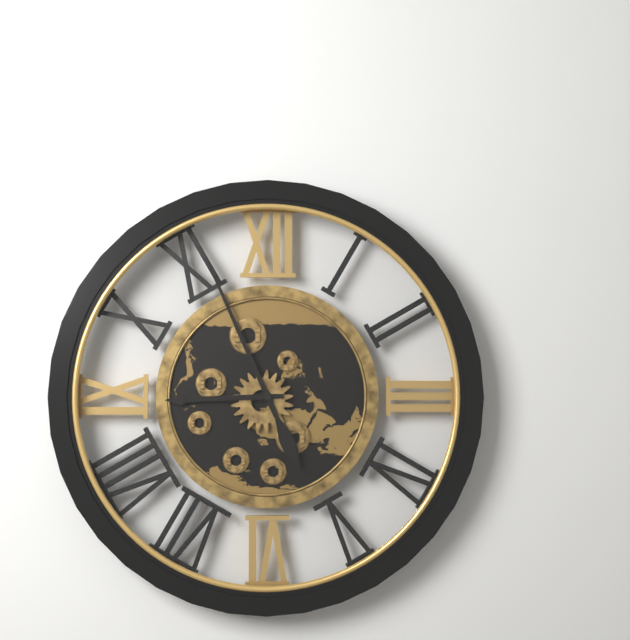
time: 8:56
